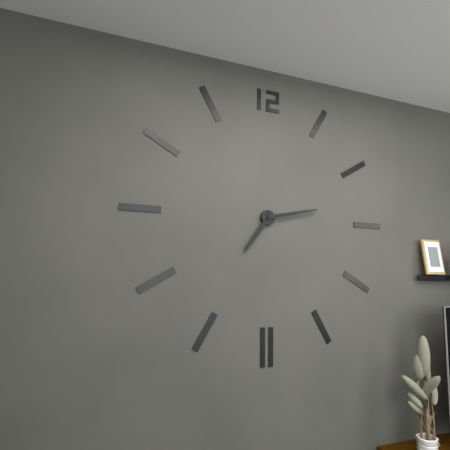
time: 7:13
